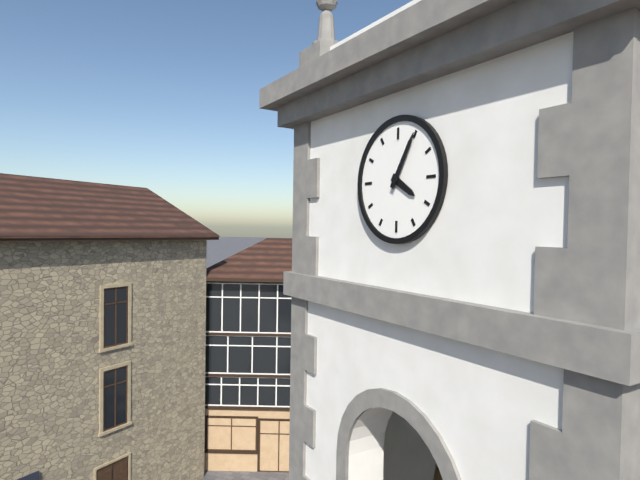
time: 4:05
